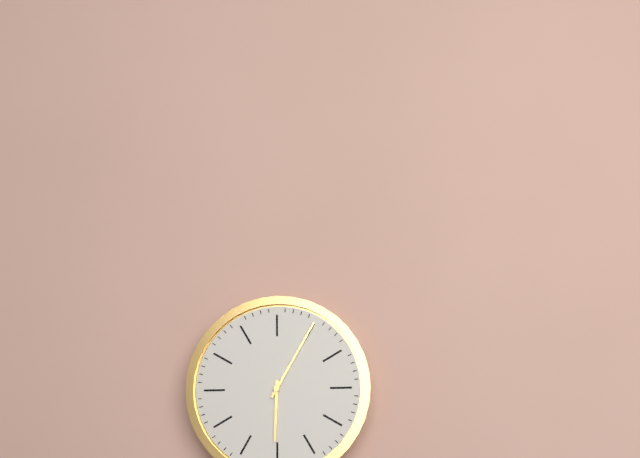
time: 6:05
